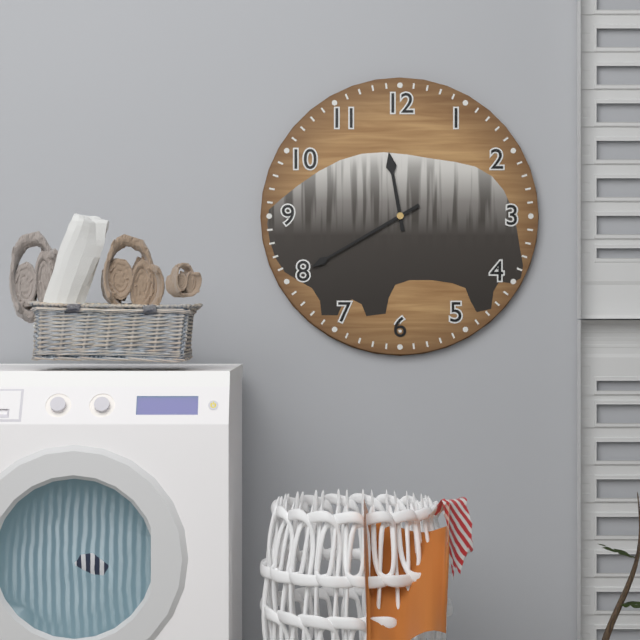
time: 11:40
